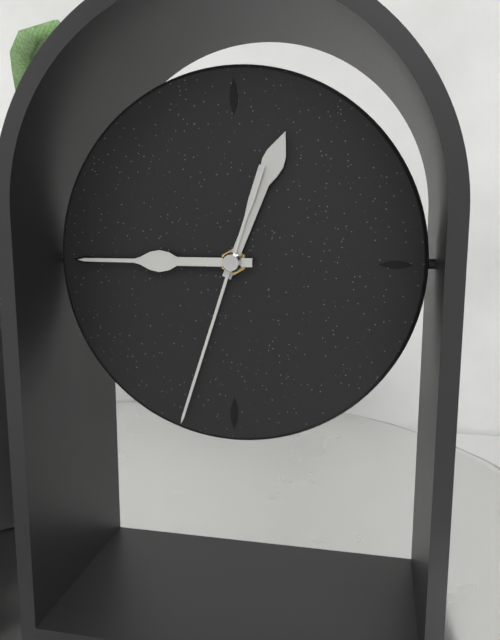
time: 12:45:33
